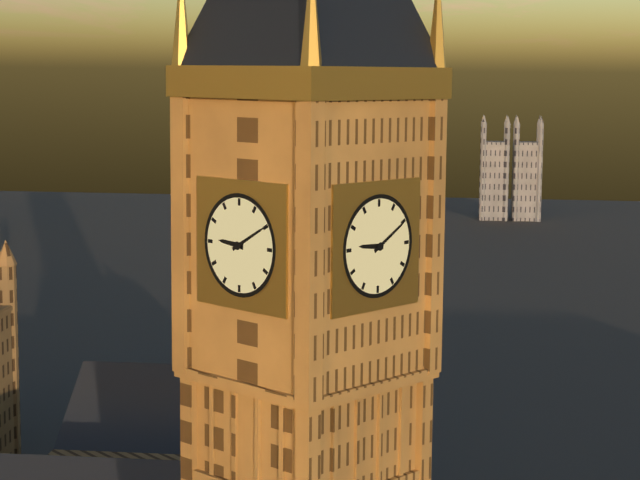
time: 9:10
